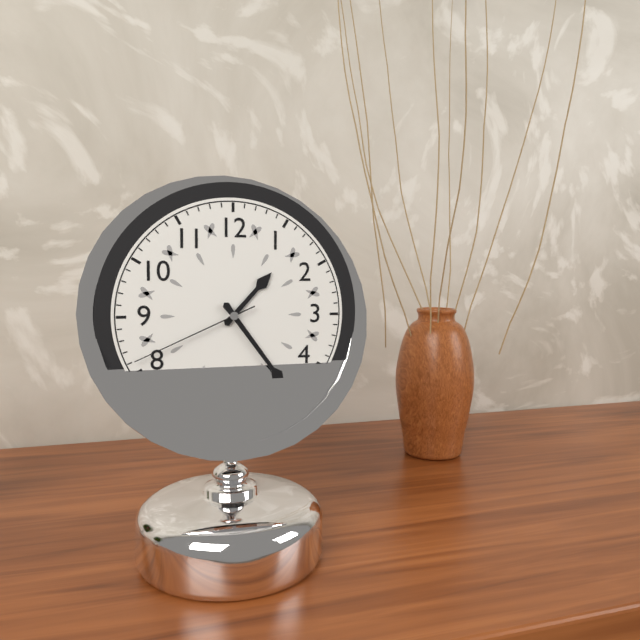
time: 1:24:41
